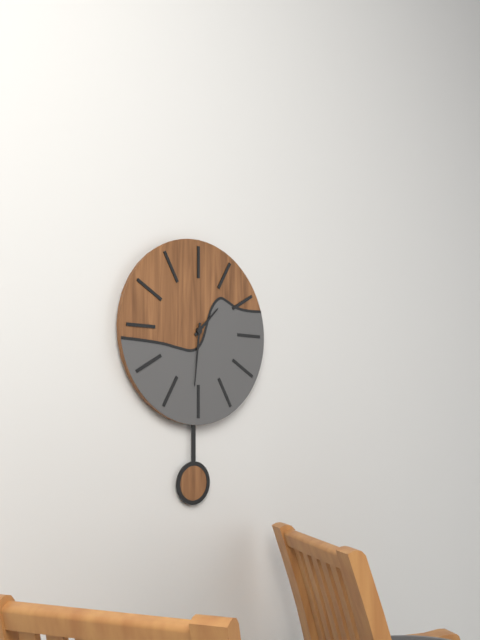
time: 1:31
